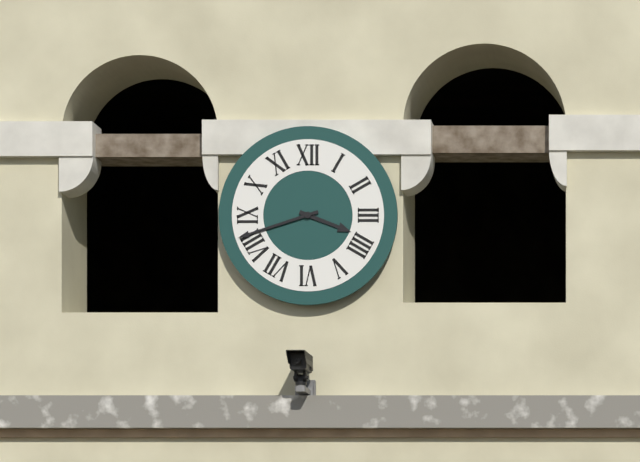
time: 3:42
